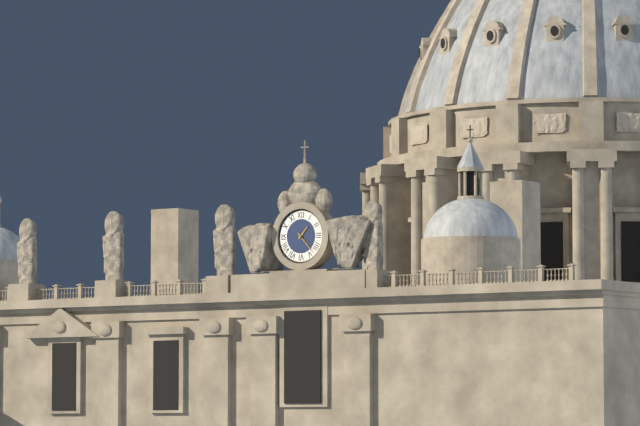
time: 1:23
